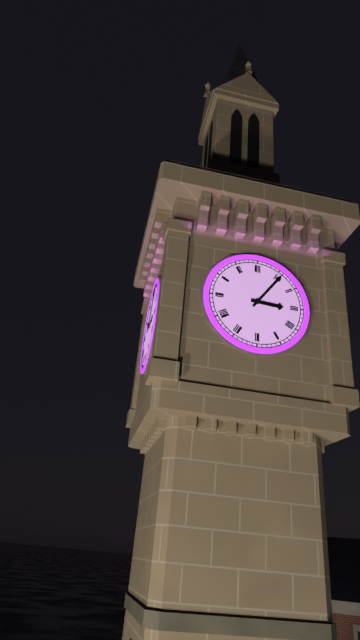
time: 3:06
